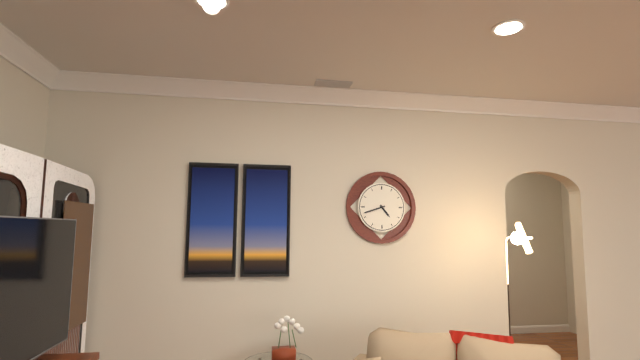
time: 4:42
